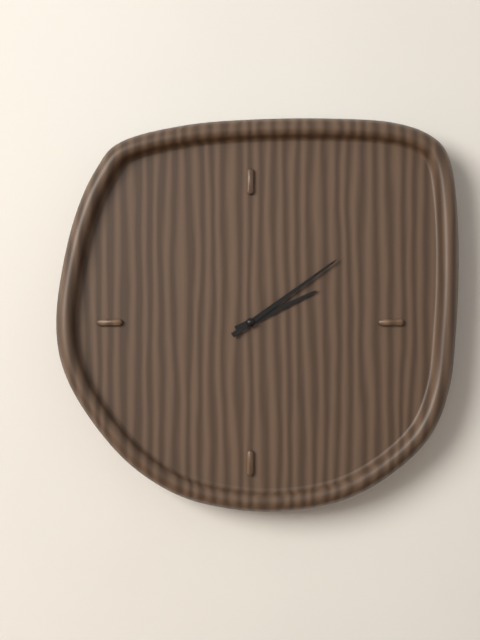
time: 2:09
